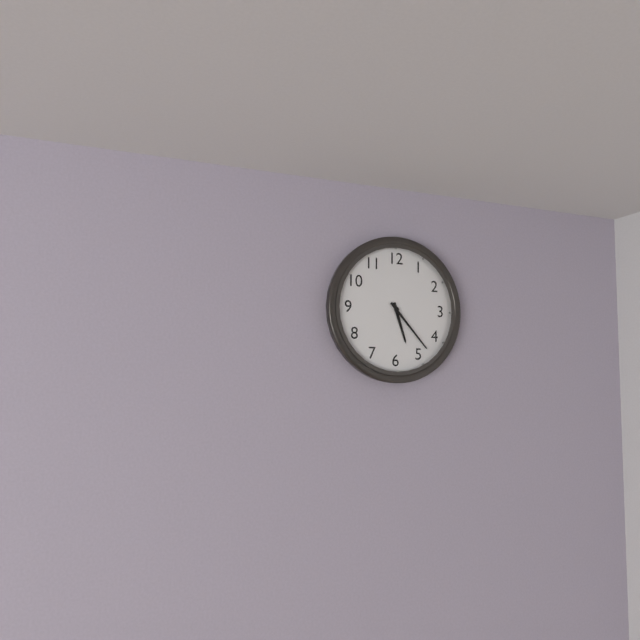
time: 5:23
